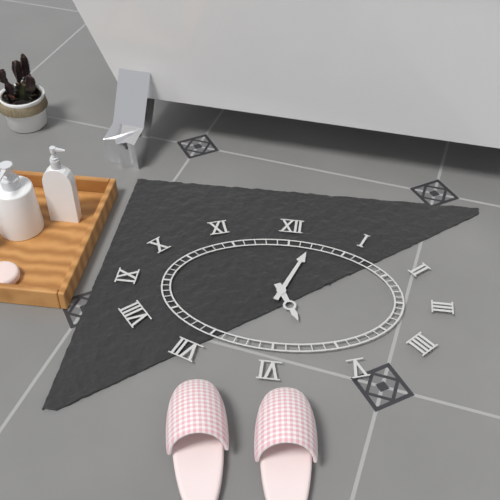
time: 5:03
